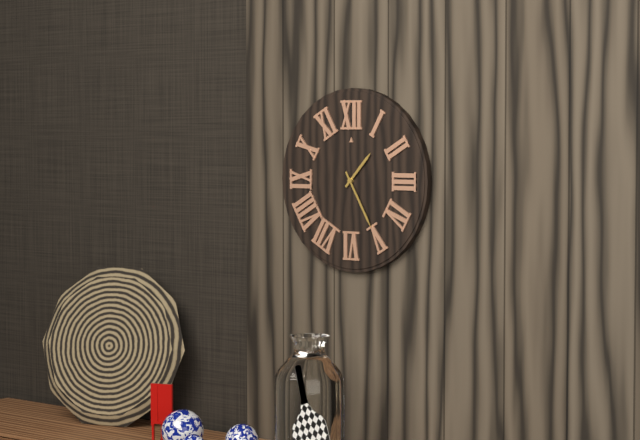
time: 1:25
